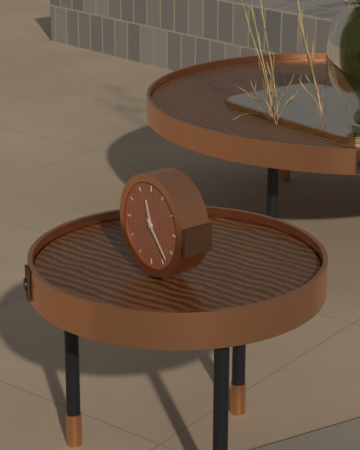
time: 11:23
